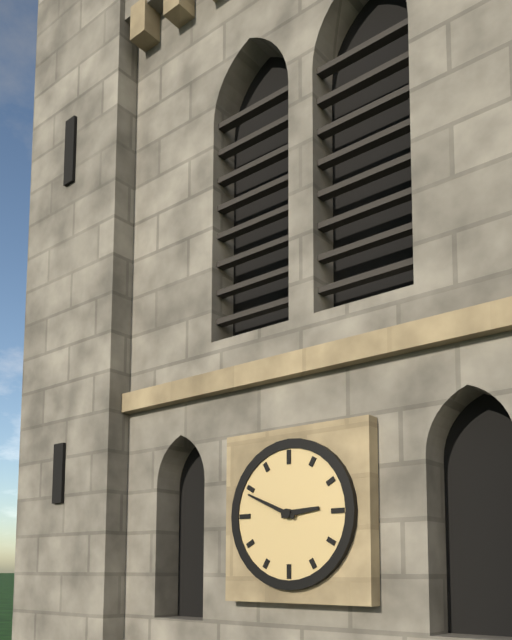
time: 2:49
